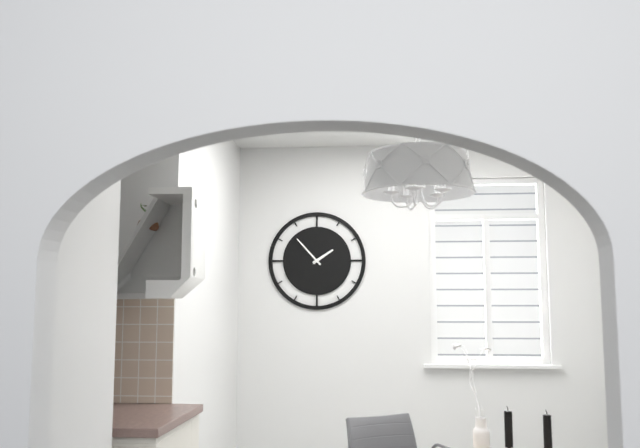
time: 1:53
